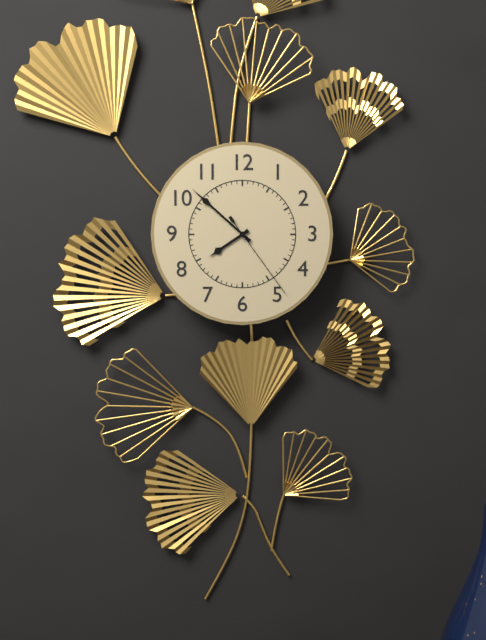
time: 7:52:24
